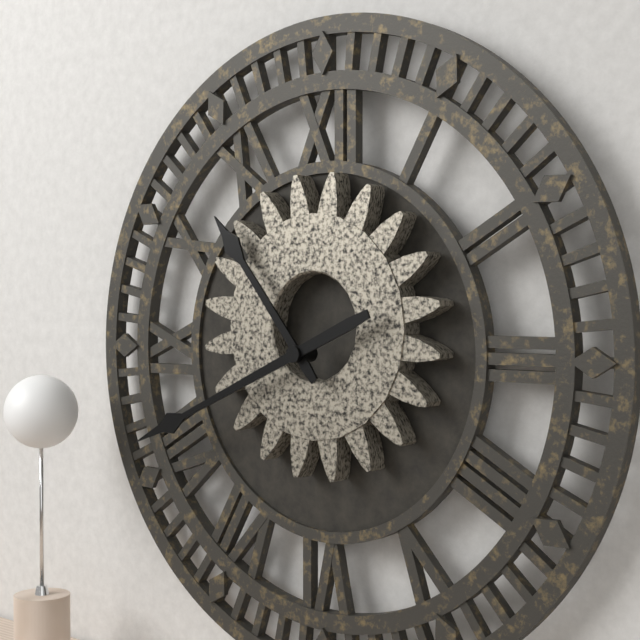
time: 10:41
